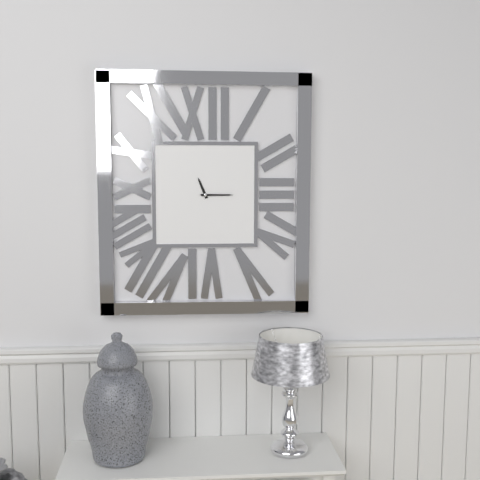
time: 11:15
